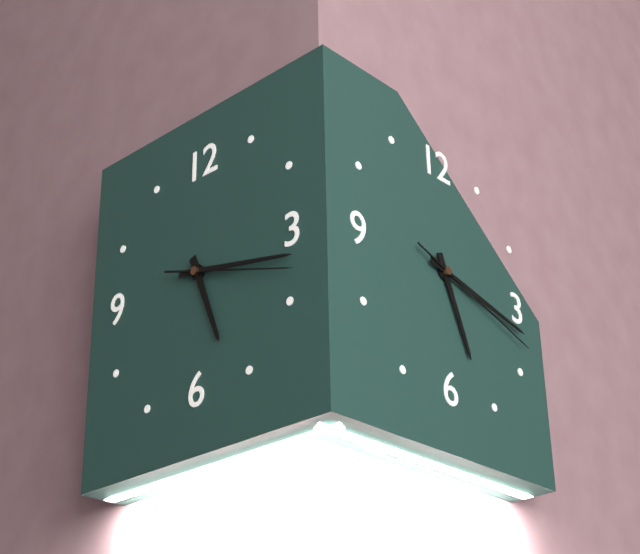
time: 5:17:18
